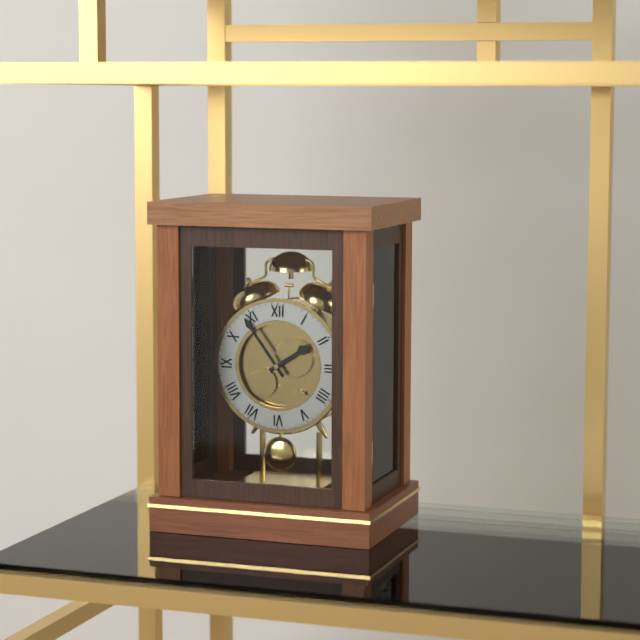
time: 1:54
